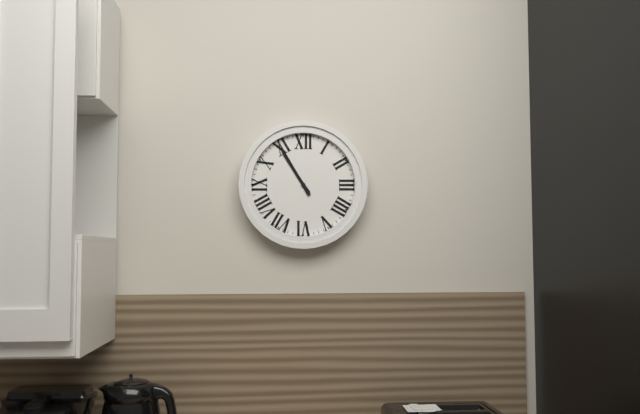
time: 10:55
